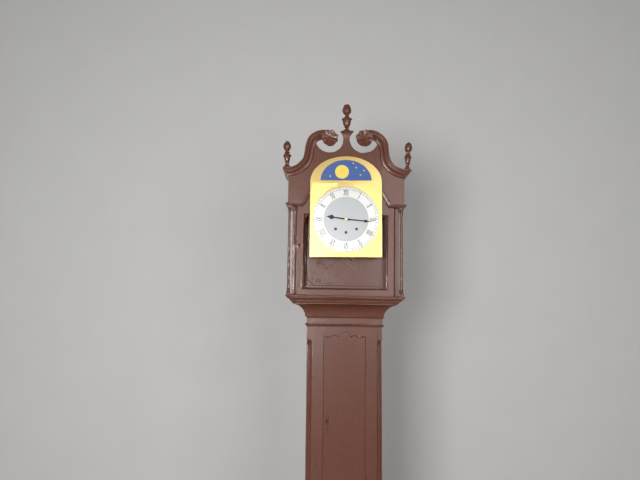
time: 9:16
